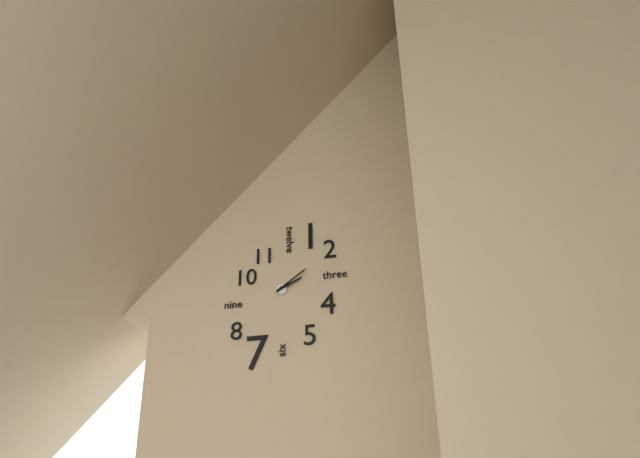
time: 2:09
